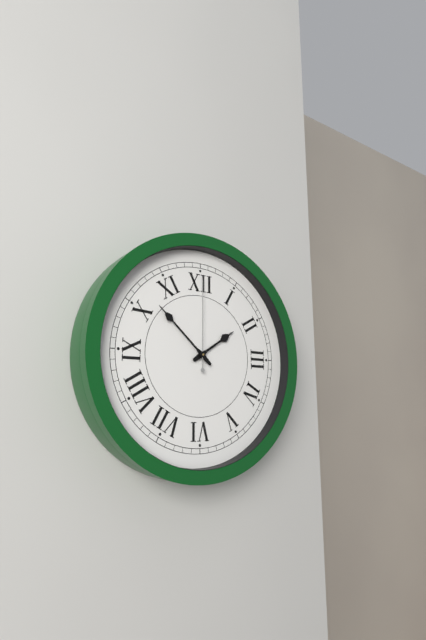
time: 1:52:00
